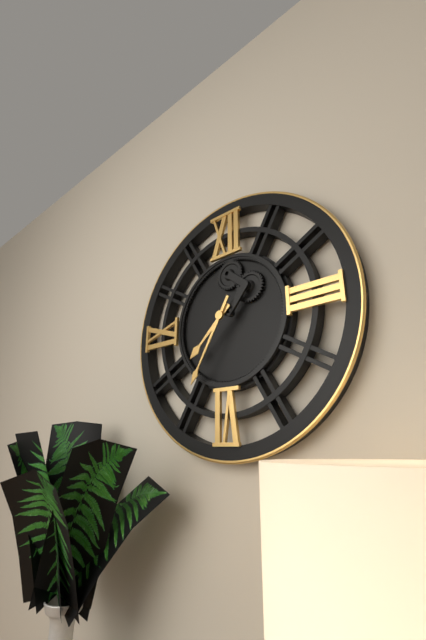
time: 7:35
